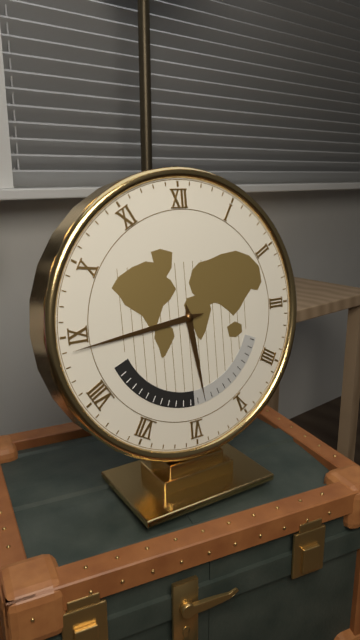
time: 5:44
